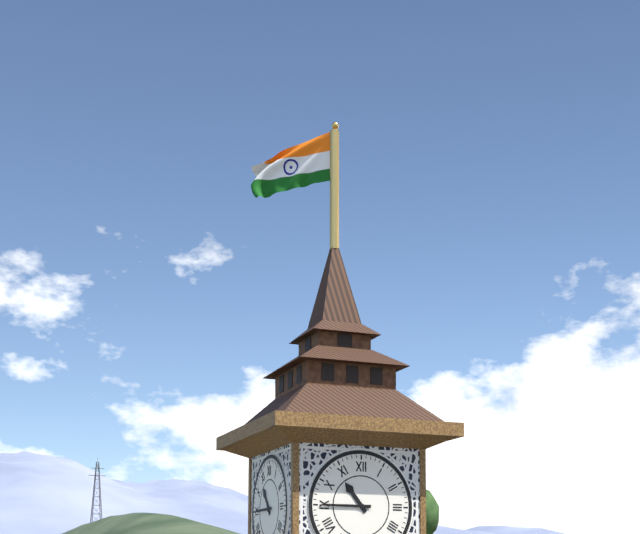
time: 10:45
